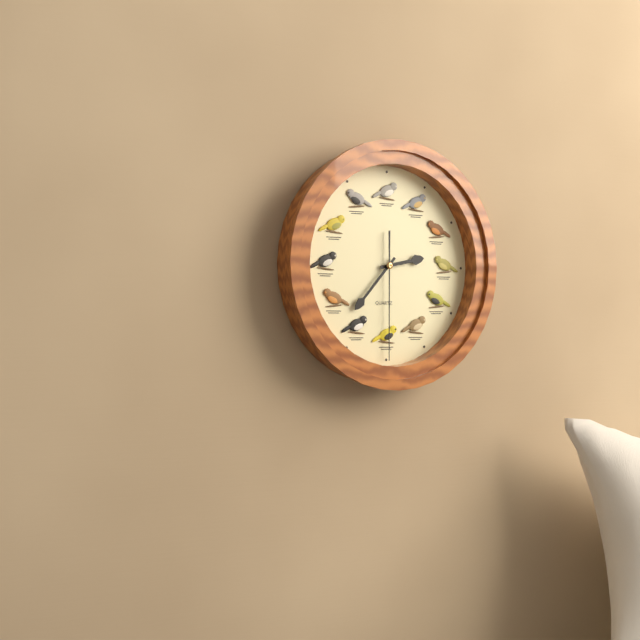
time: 2:37:30
